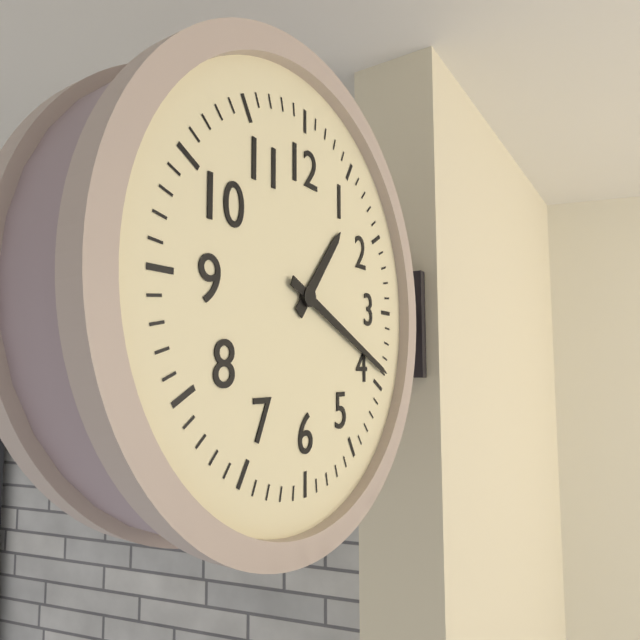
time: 1:19
